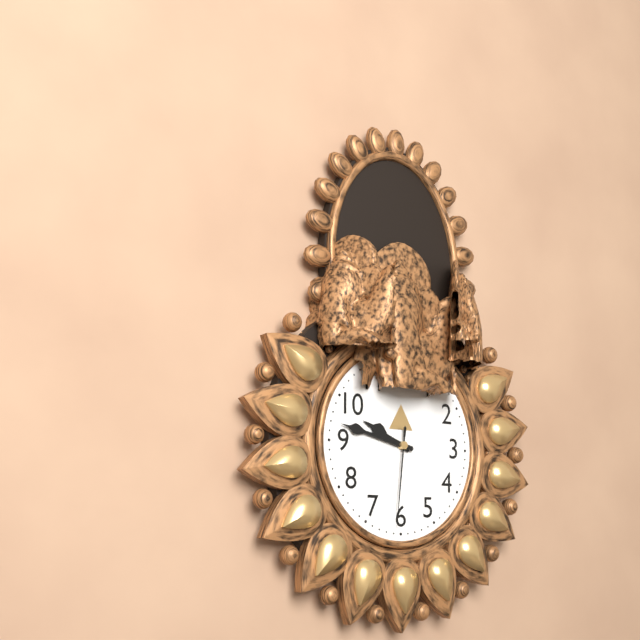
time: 9:47:31
